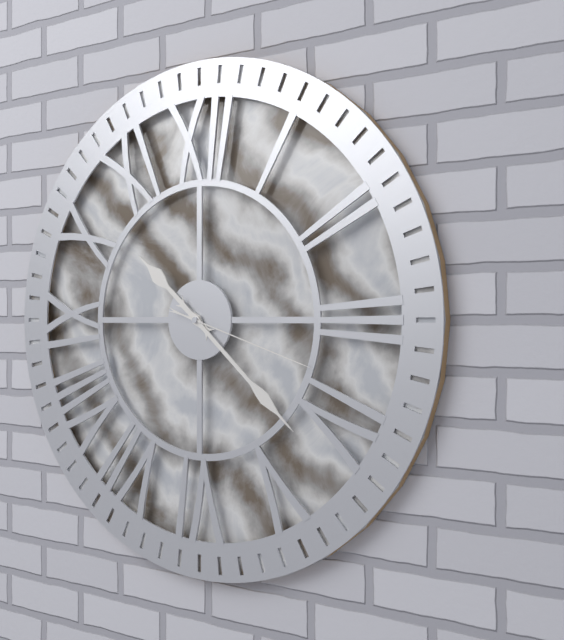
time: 10:22:18
